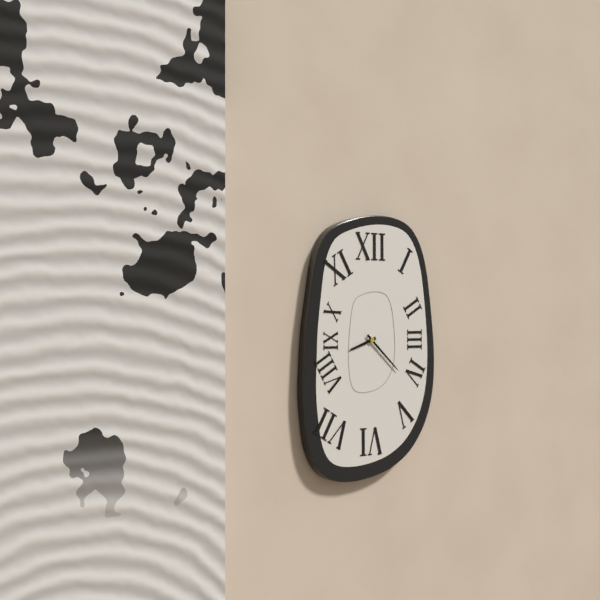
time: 8:22
